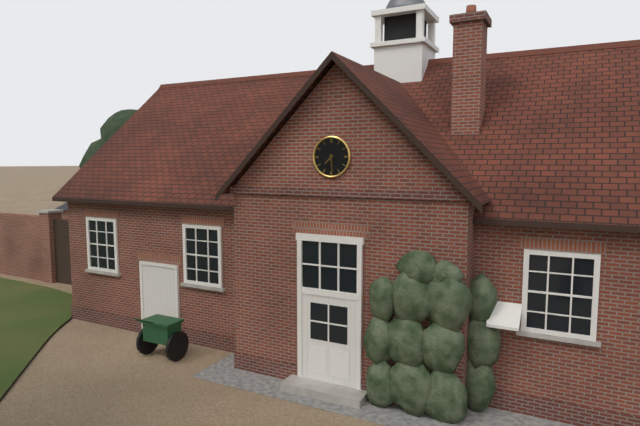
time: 7:29
